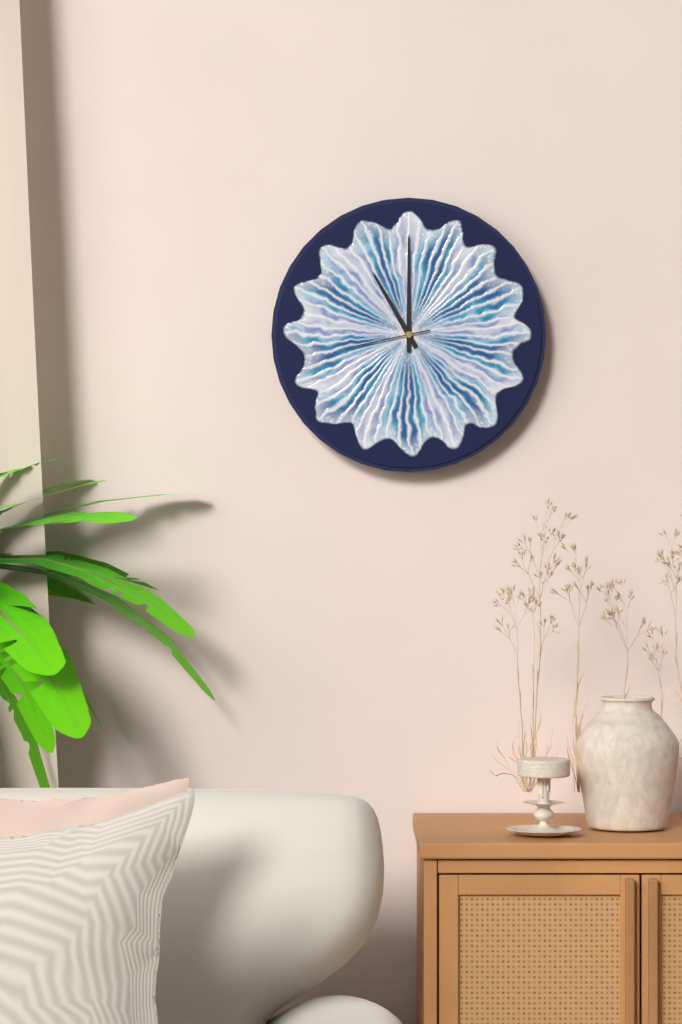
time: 11:00:43
